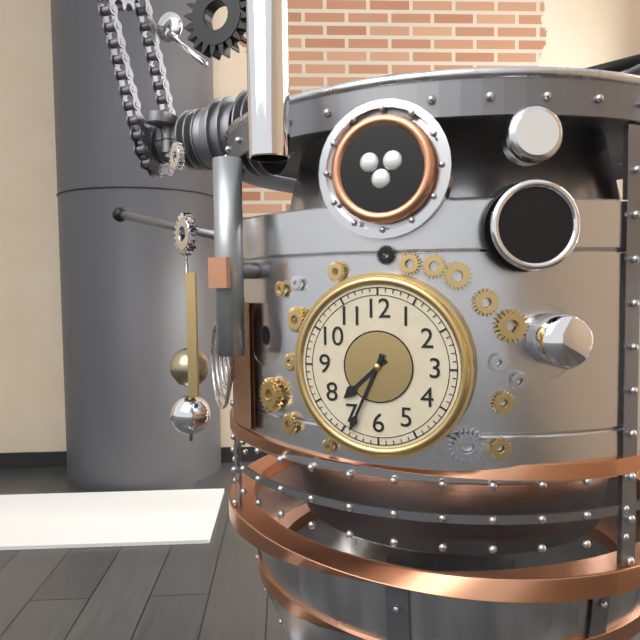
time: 7:34
